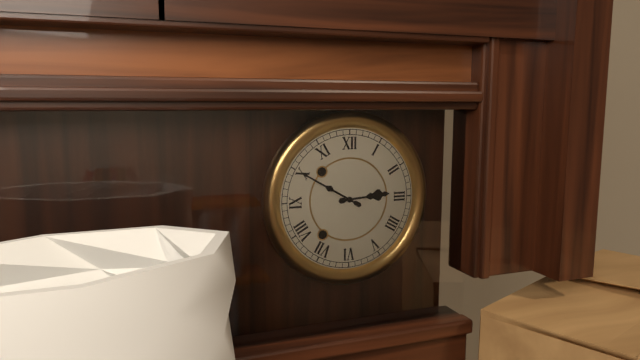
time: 2:50
